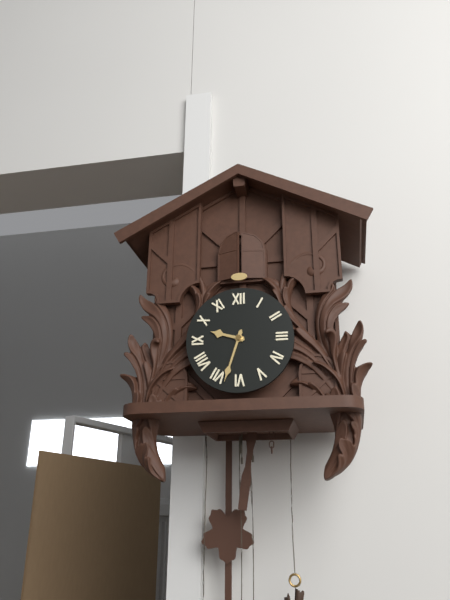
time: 9:33
